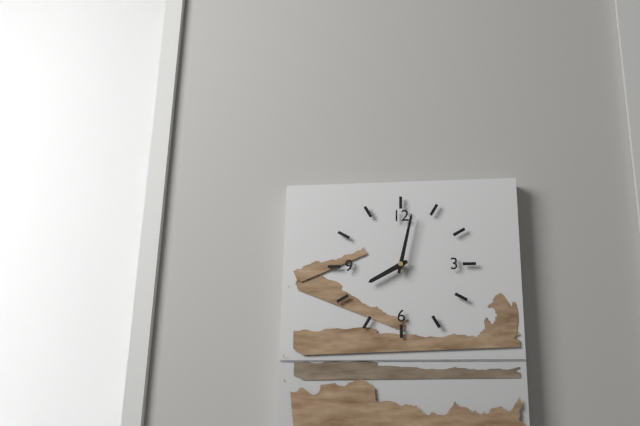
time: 8:02
